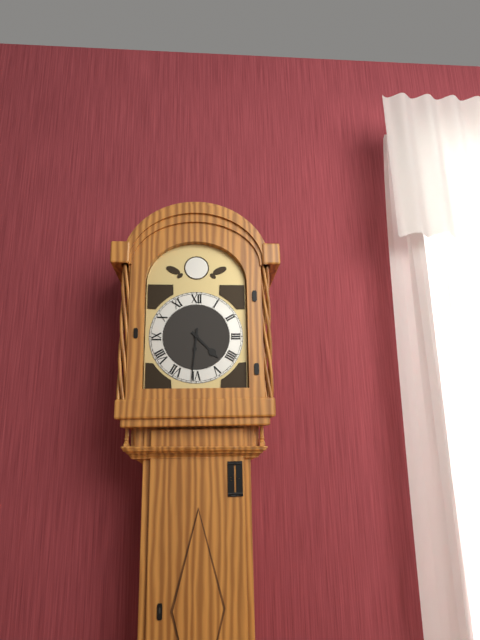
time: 4:31
